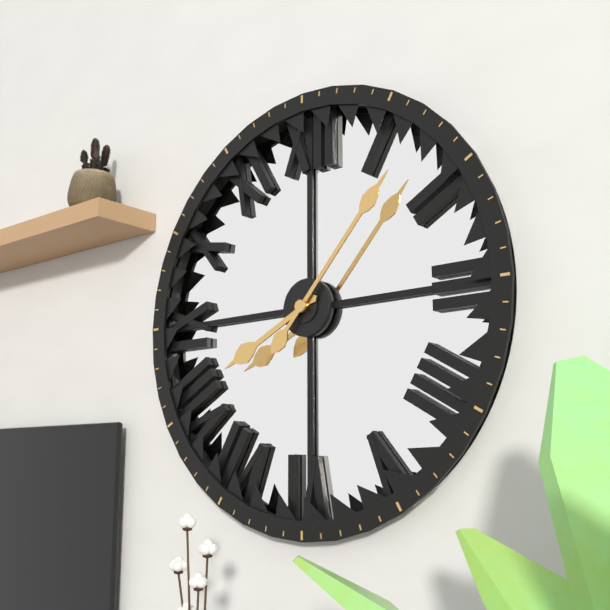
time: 8:07
